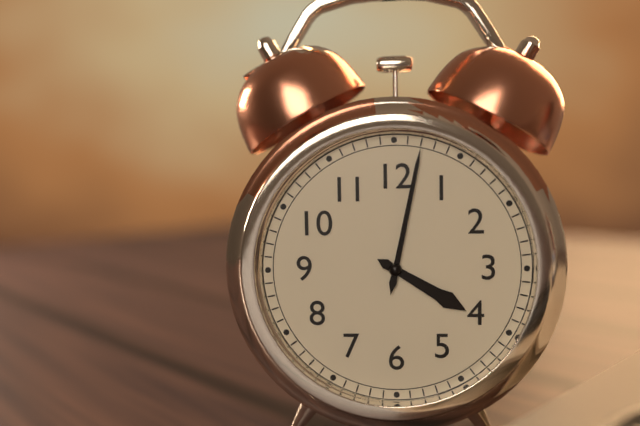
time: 4:02
